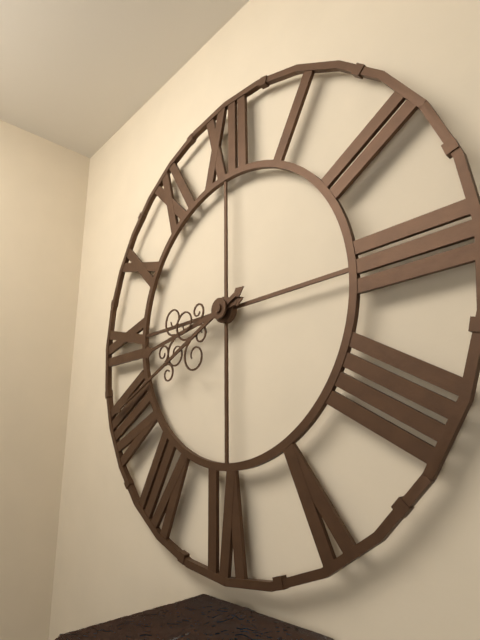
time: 8:41
